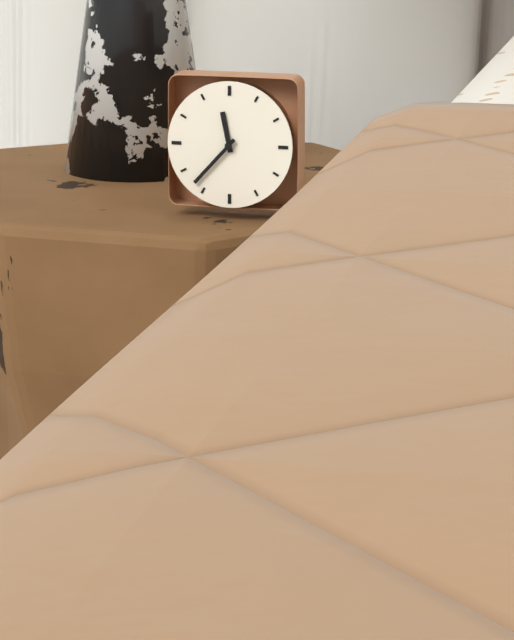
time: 11:37
